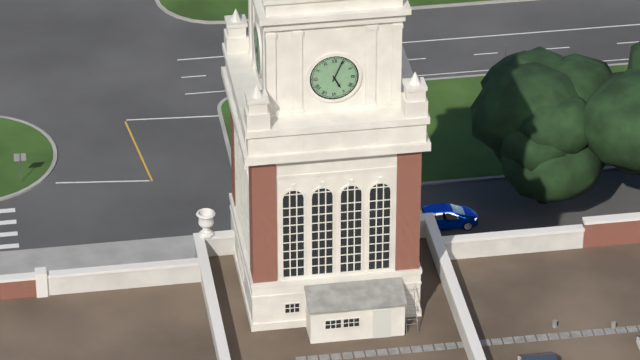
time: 5:04
